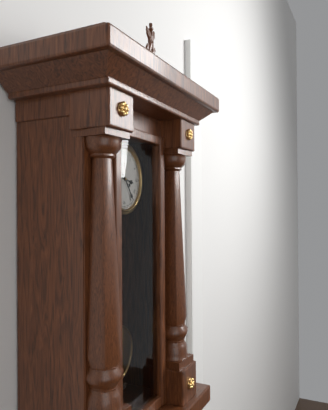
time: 3:24
